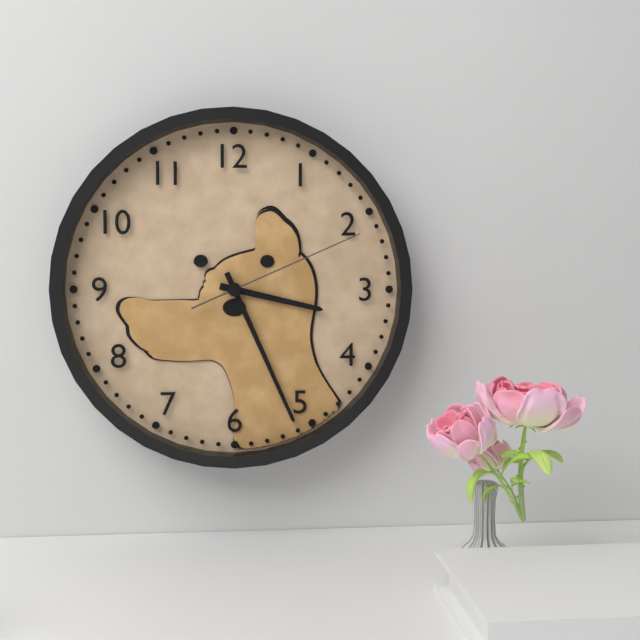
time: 3:26:11
